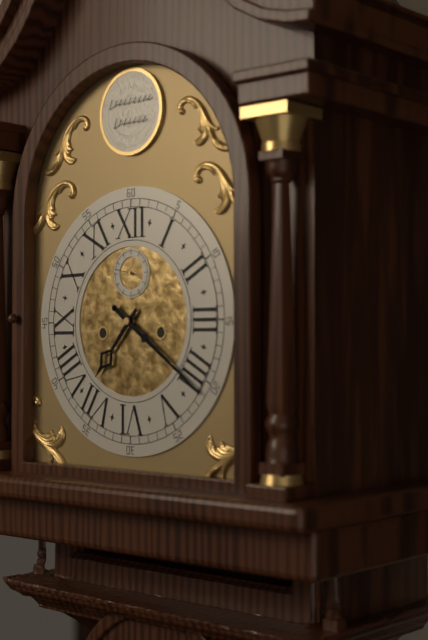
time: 7:21:47
